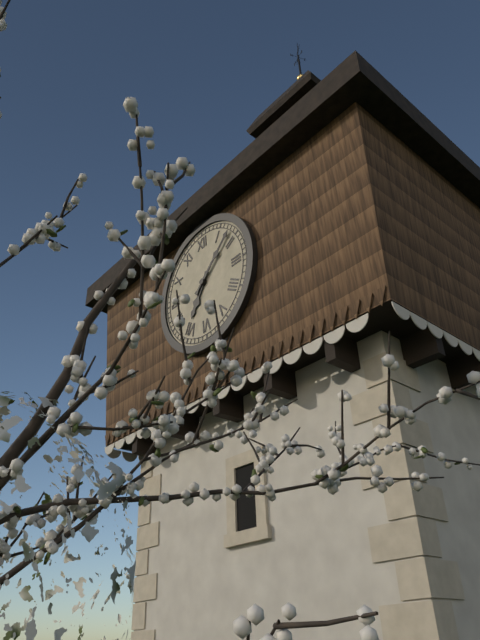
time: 7:08
